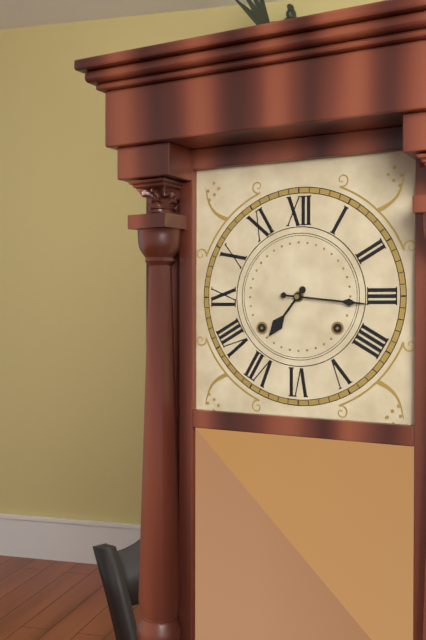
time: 7:16
